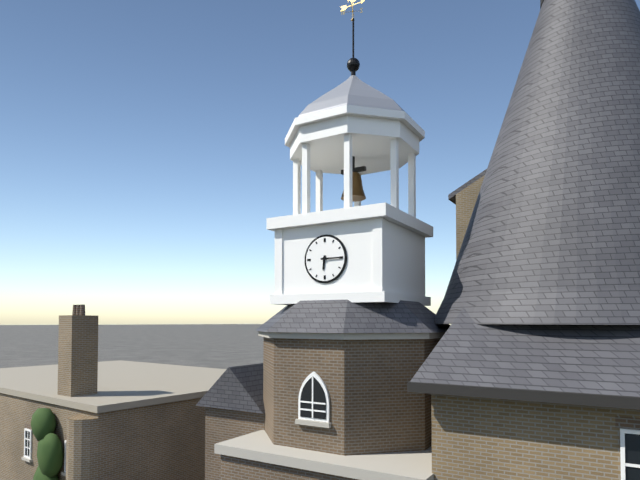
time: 6:15
